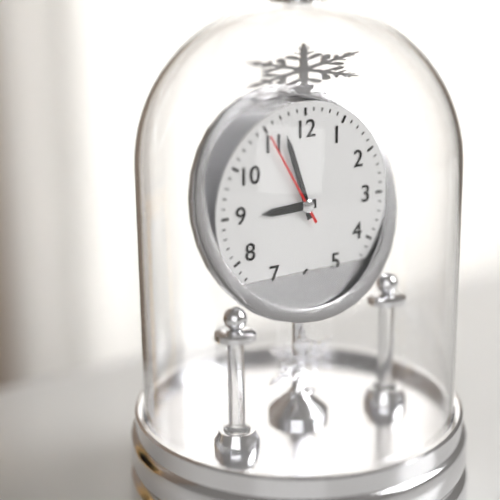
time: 8:57:55
